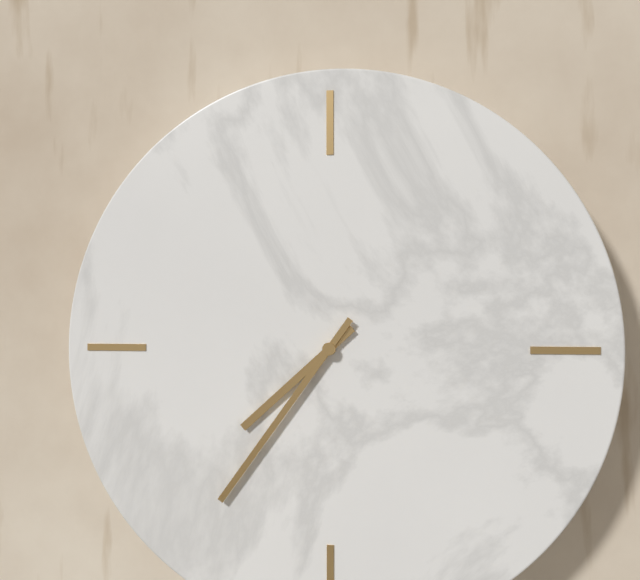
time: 7:36
